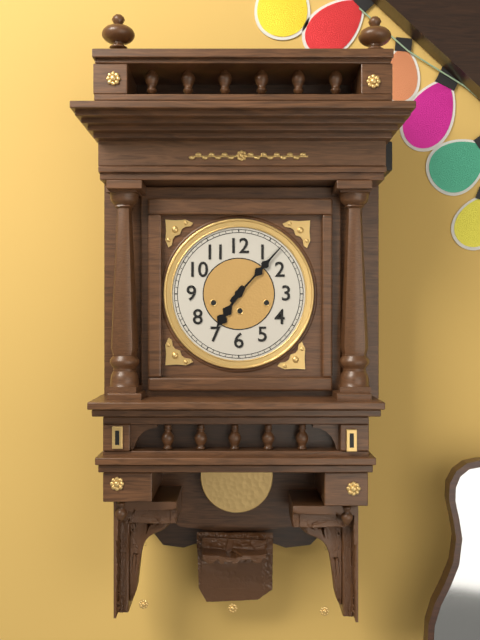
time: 7:07
